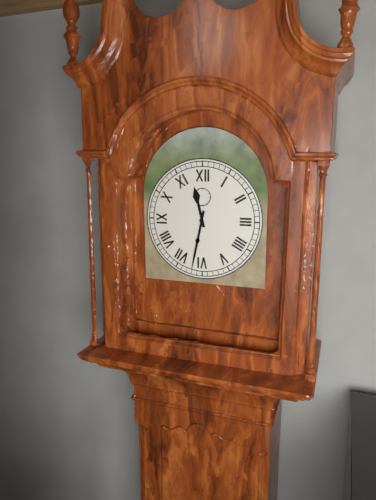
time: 11:32
